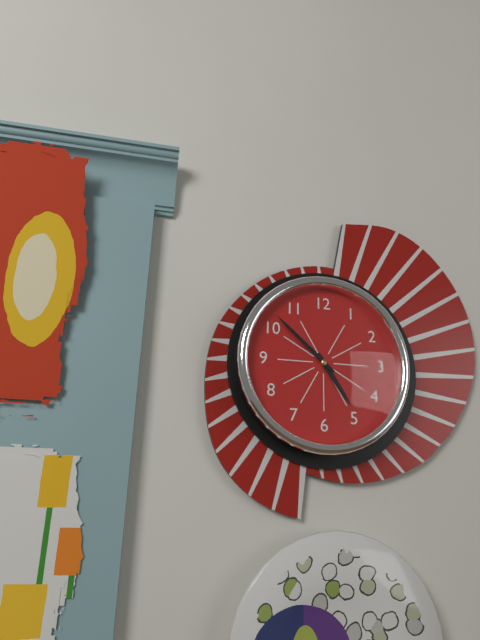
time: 4:52
